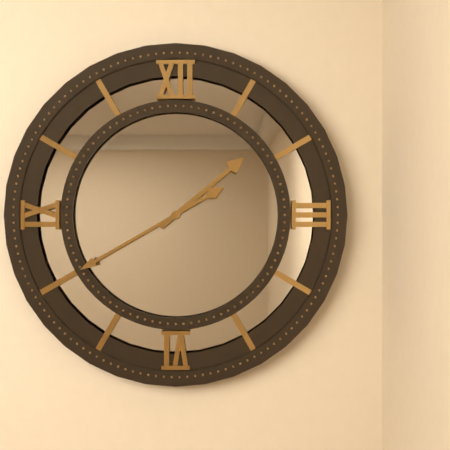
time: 1:40
